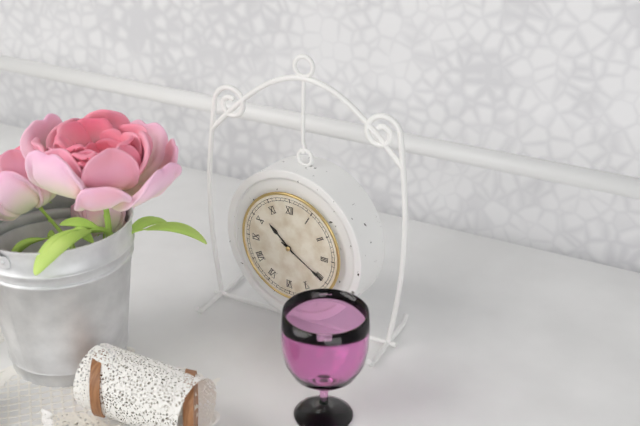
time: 10:20
